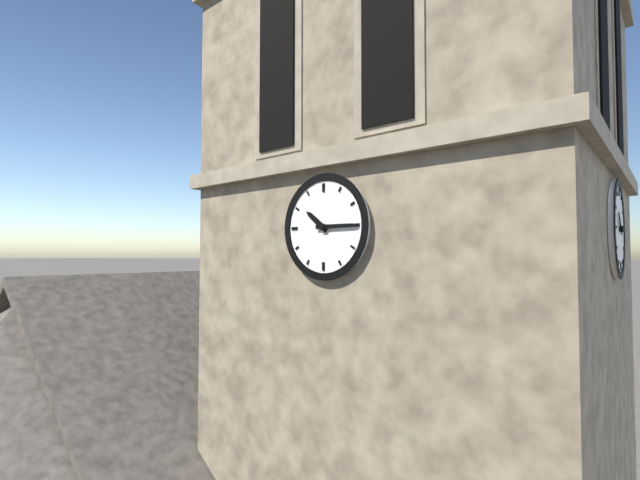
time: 10:15
